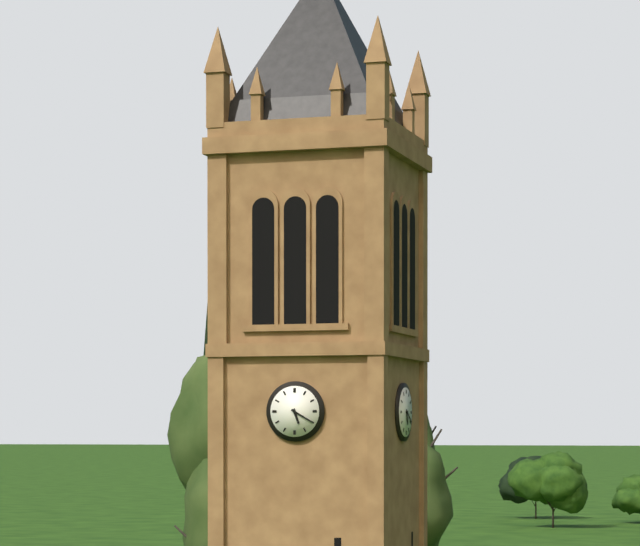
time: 5:20
